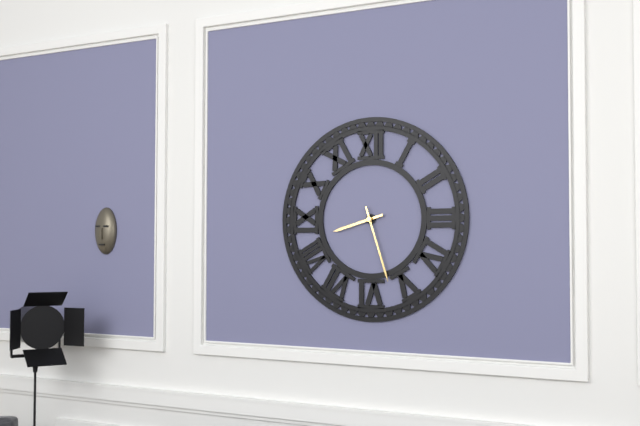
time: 8:27
